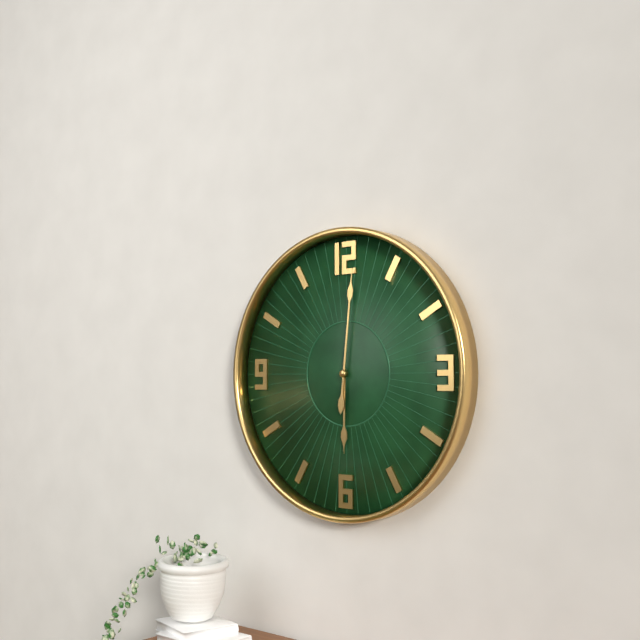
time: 6:01
